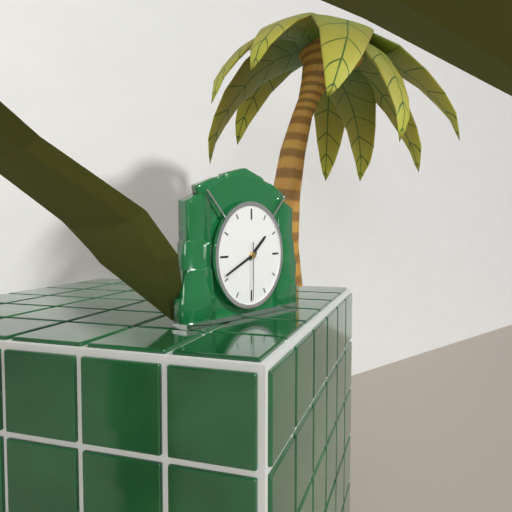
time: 1:41:30
